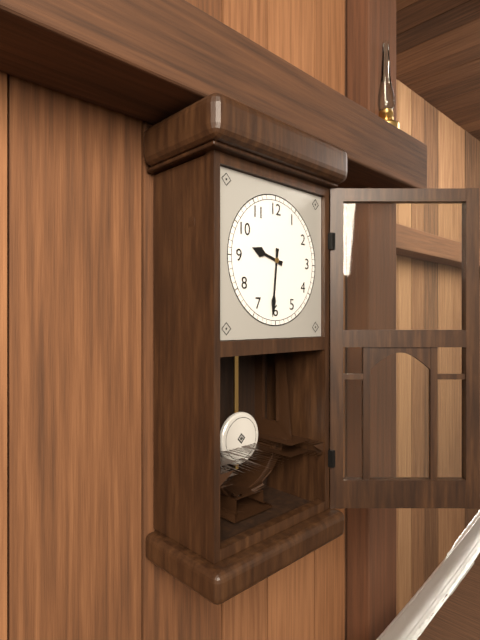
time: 9:31
